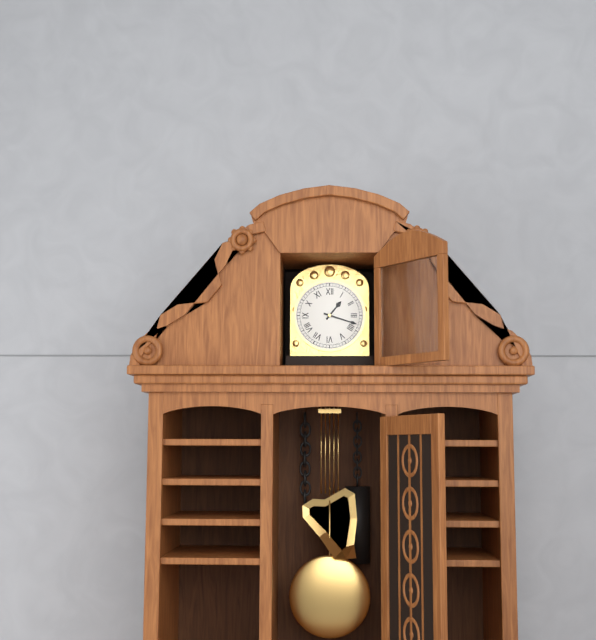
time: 1:18
